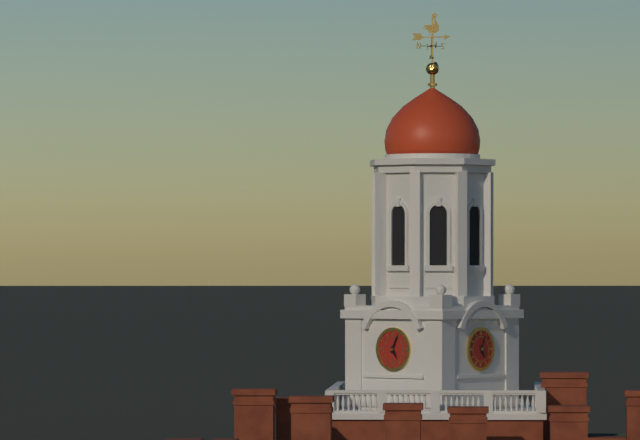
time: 5:04
